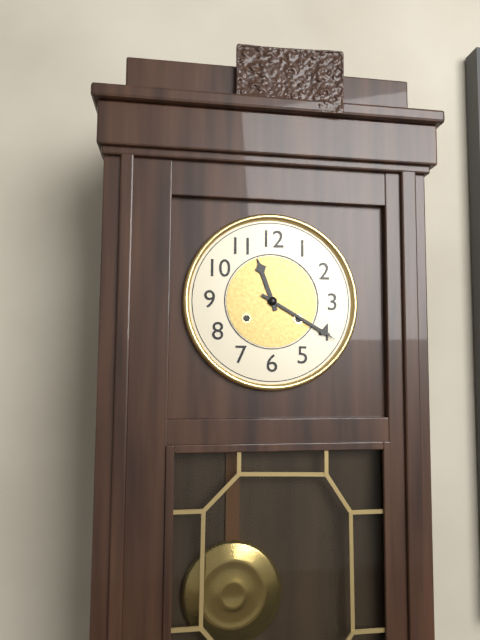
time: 11:20
